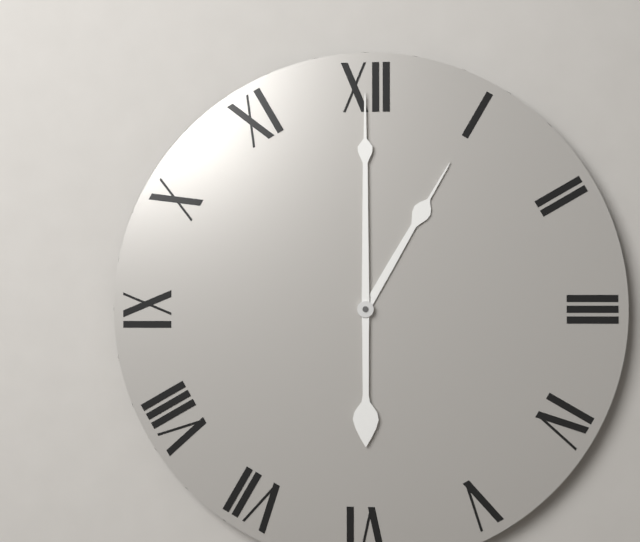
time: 1:00
